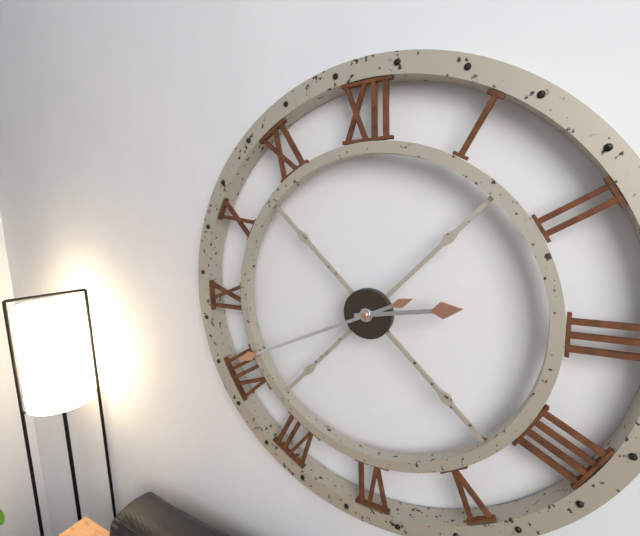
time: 2:41
